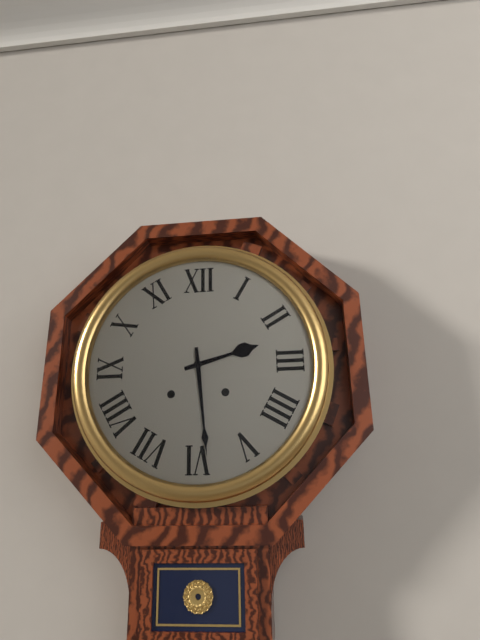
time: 2:29
